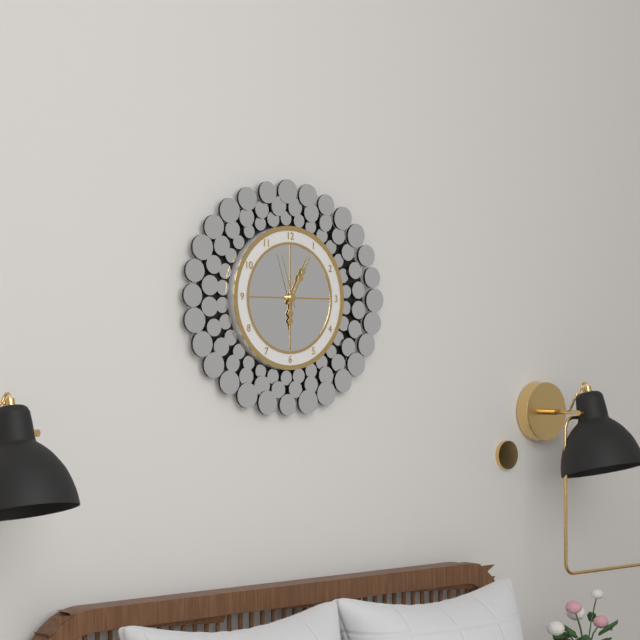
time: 6:05:57
